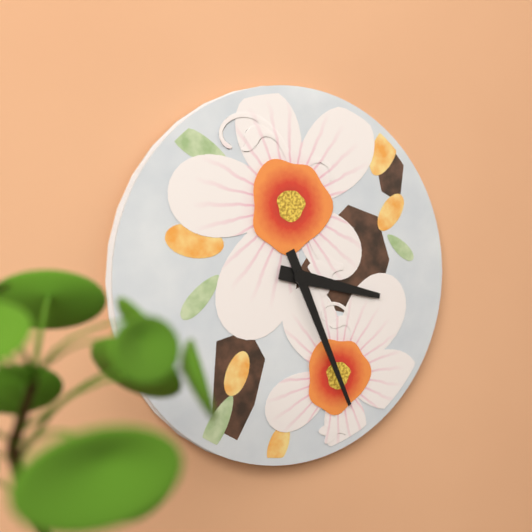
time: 3:26
